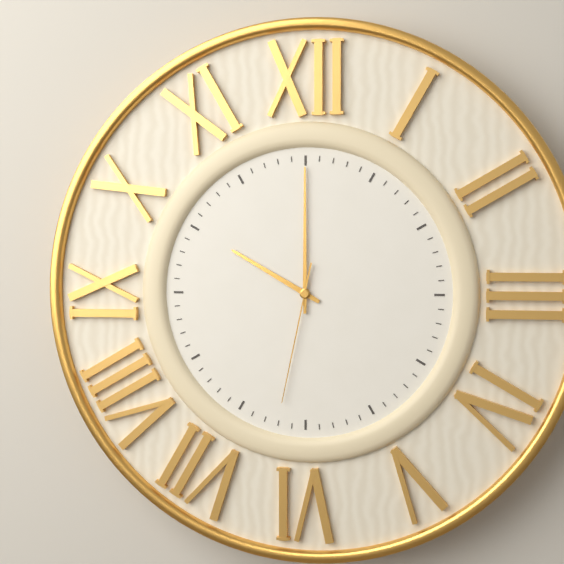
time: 10:00:32
